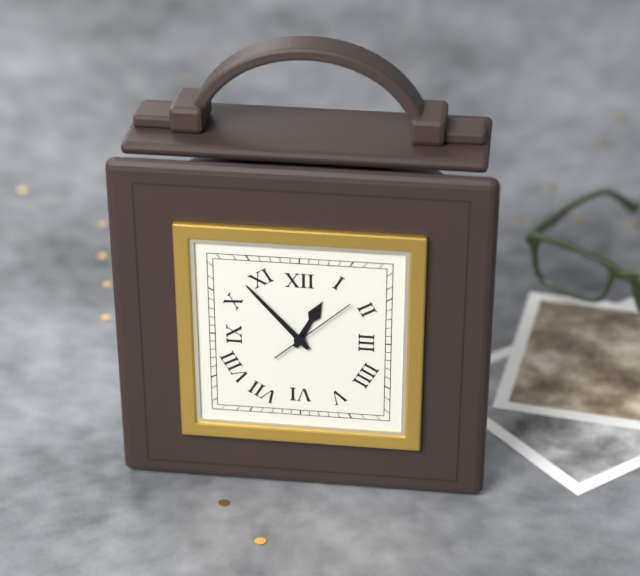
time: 12:53:08
